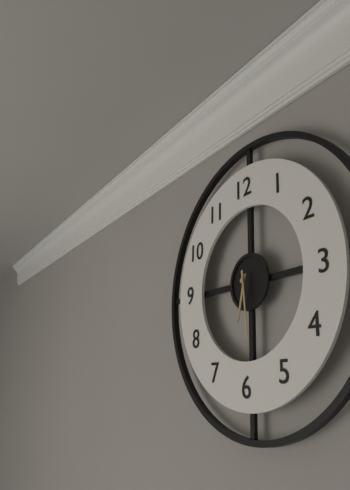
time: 6:29
